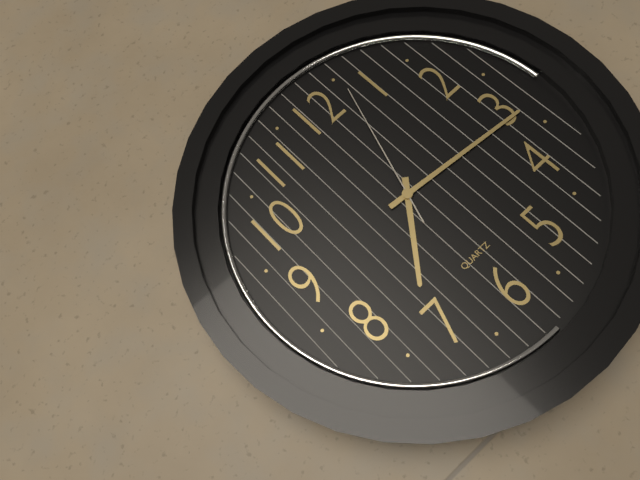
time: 7:16:03
